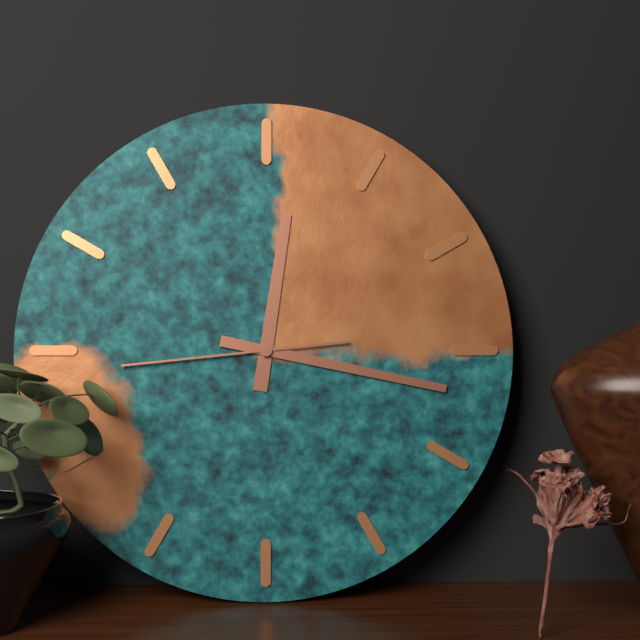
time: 12:17:44
